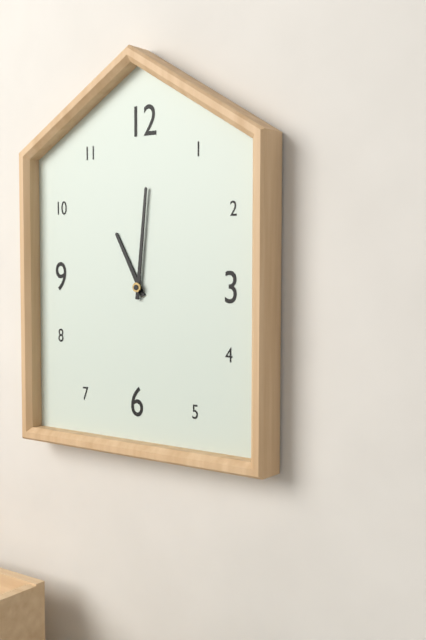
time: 11:01
